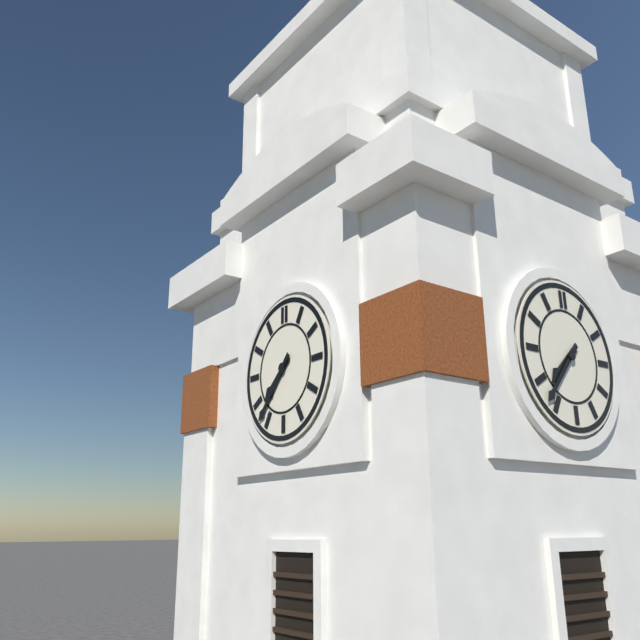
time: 7:37
